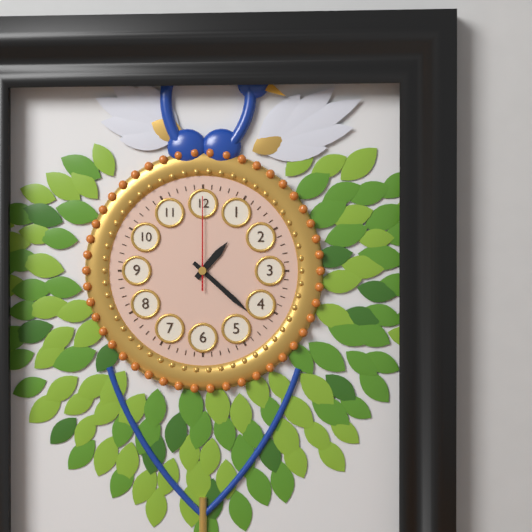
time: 1:22:00
